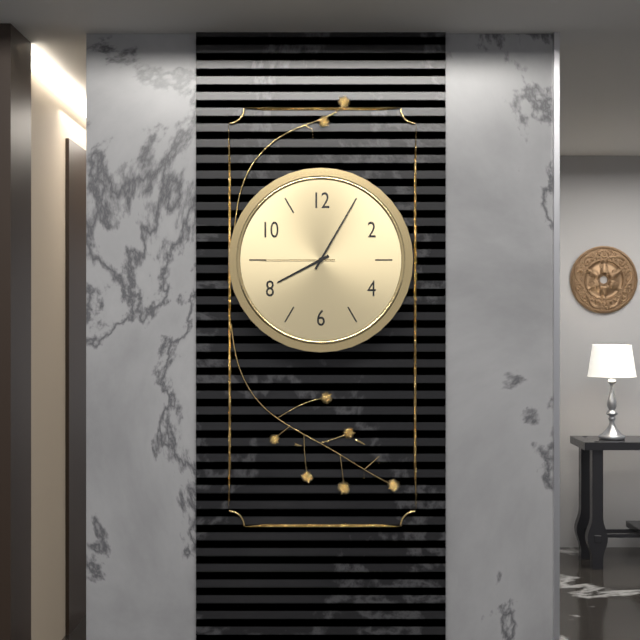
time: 8:05:45
